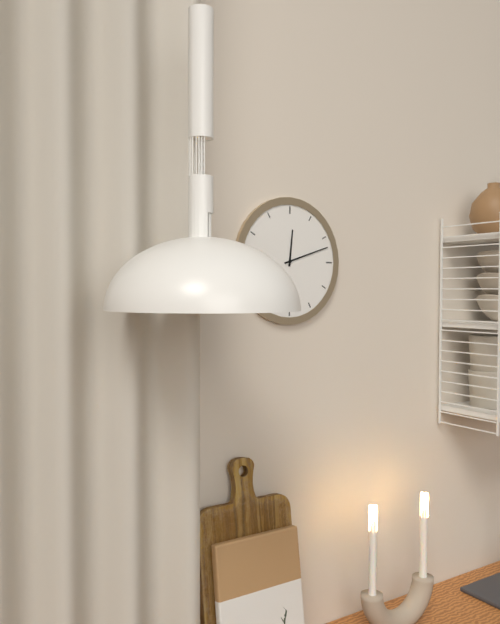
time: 12:12
